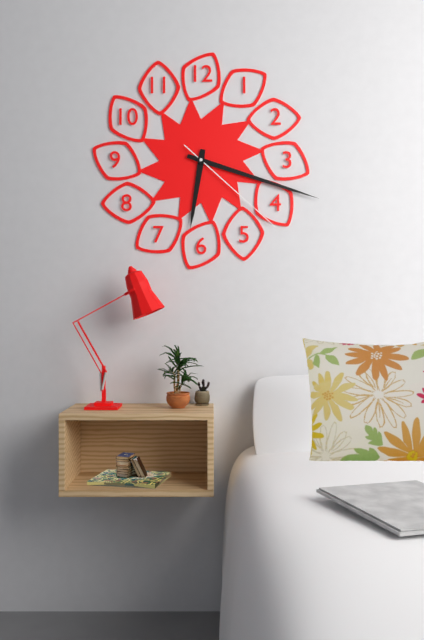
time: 6:18:22
